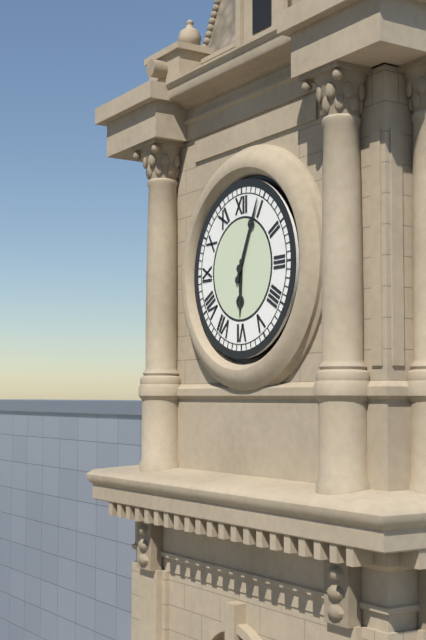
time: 6:04
